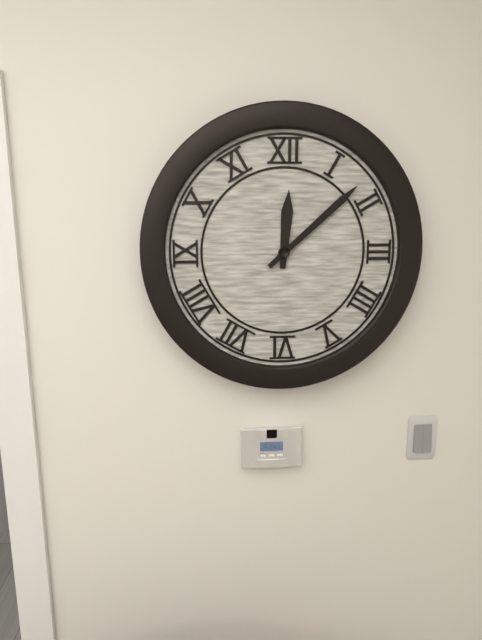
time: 12:08
